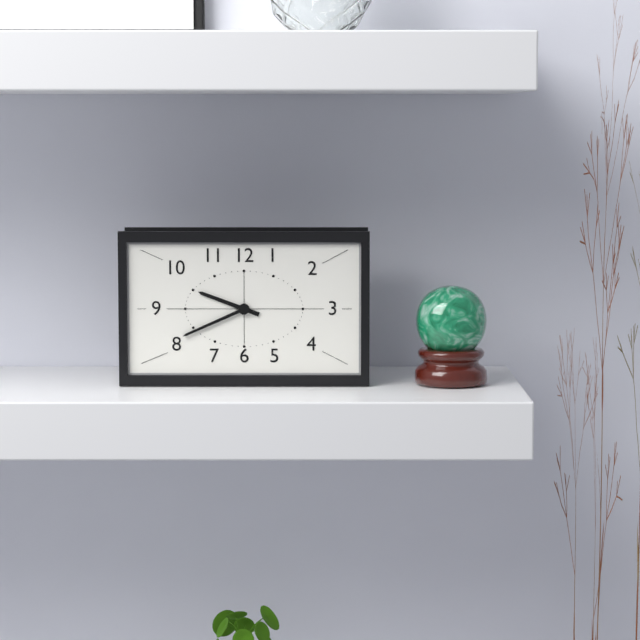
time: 9:41
